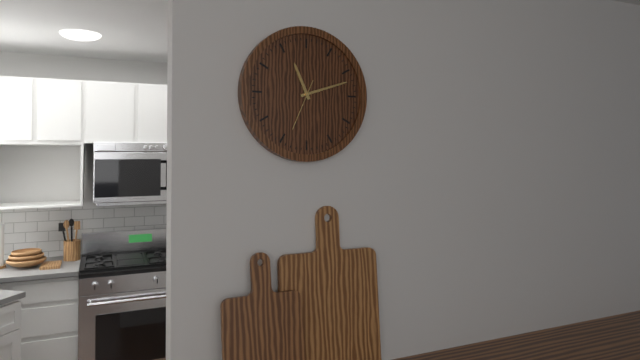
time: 11:12
